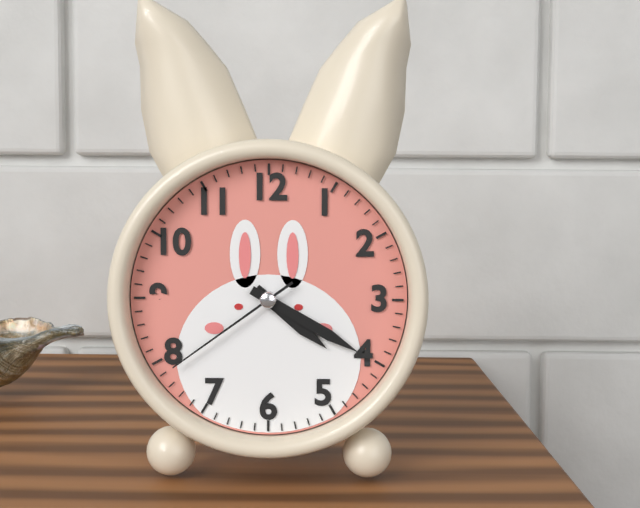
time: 4:20:39
